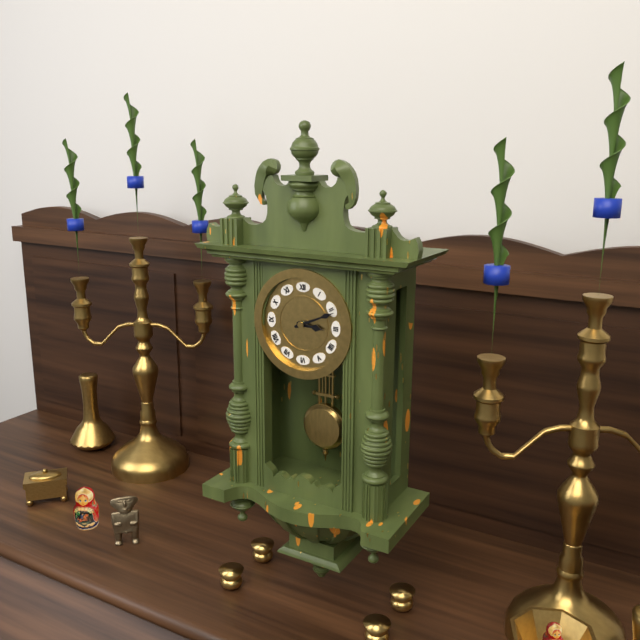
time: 3:11
